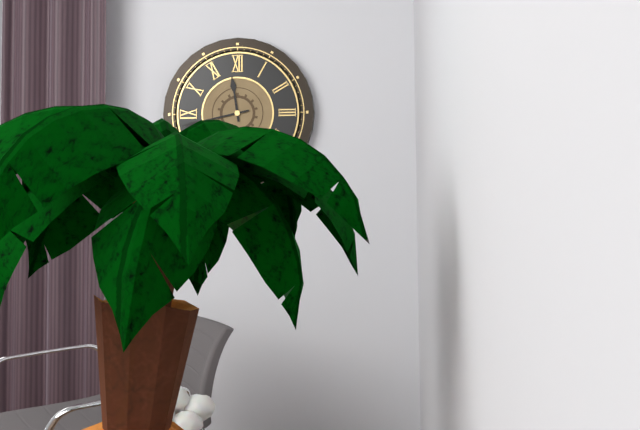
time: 11:43
